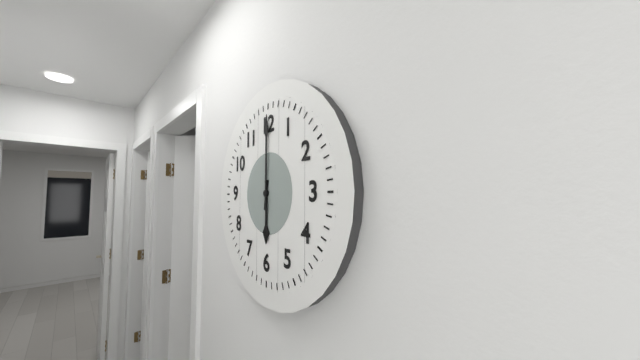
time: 6:00
